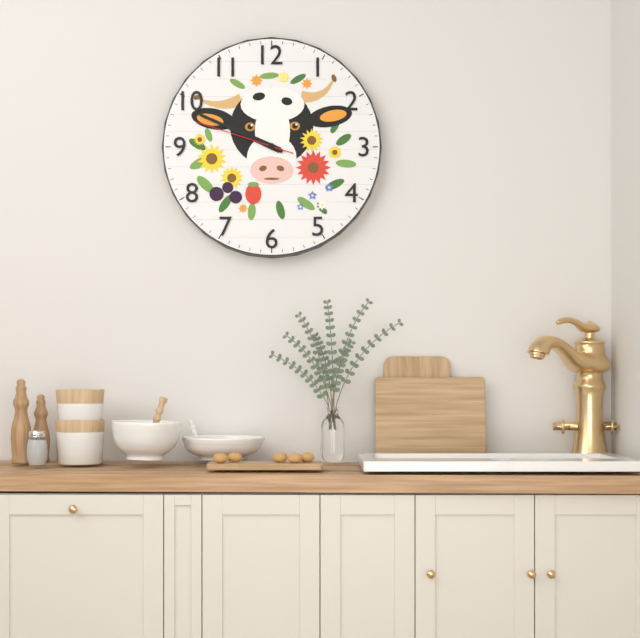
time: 9:49:48
